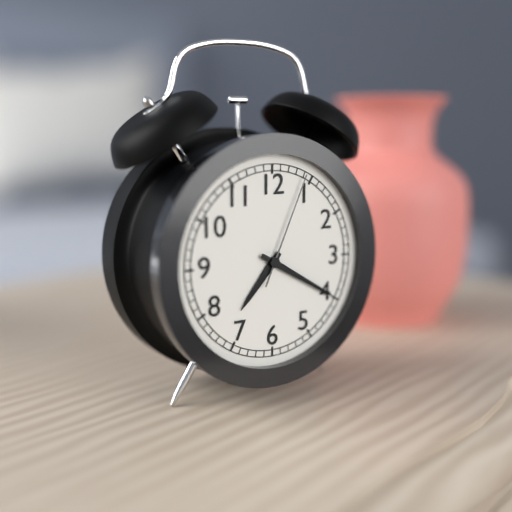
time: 7:20:04
